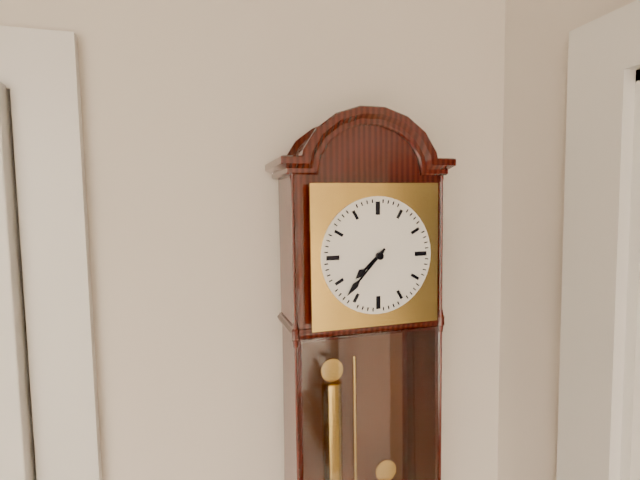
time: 7:37
